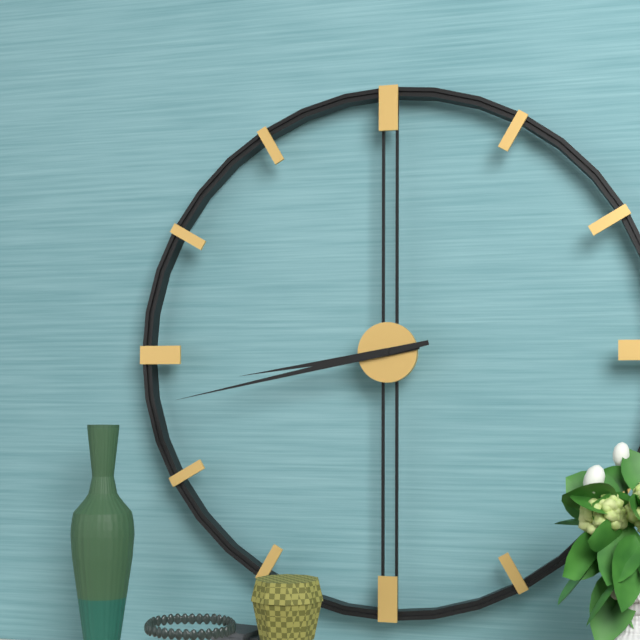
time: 8:43
